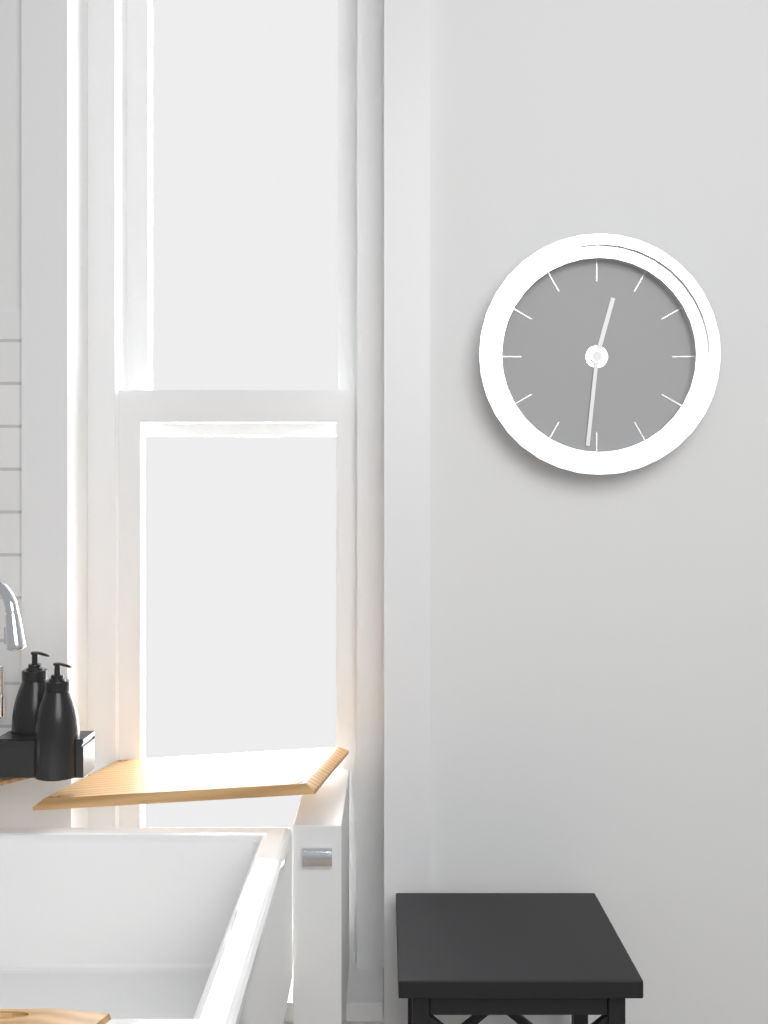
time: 12:31
